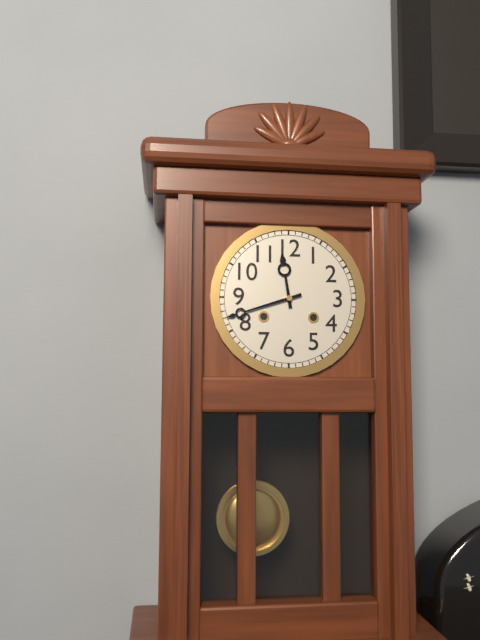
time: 11:42
